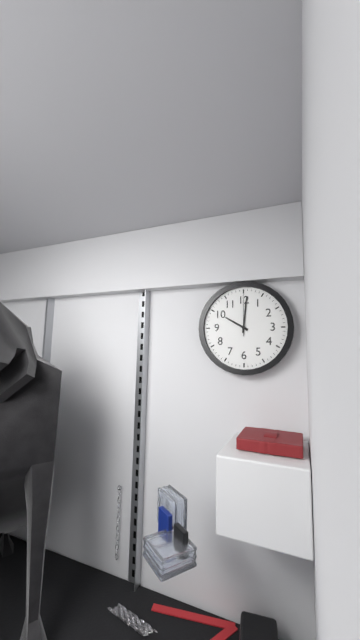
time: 10:01
